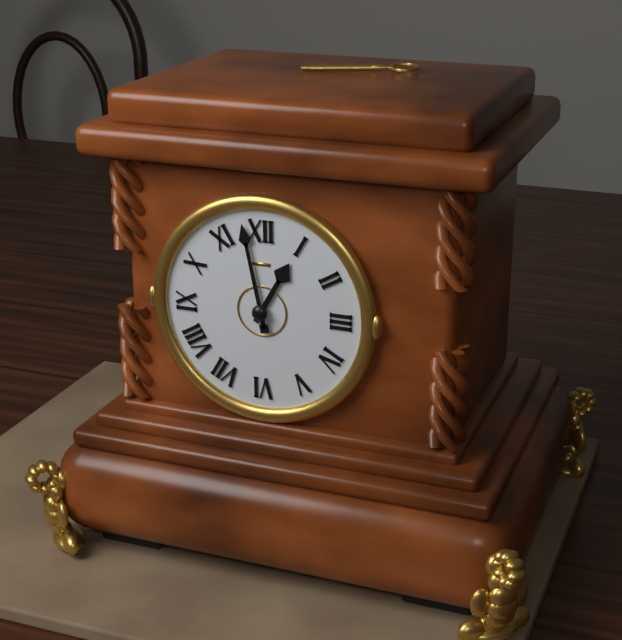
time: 12:58
